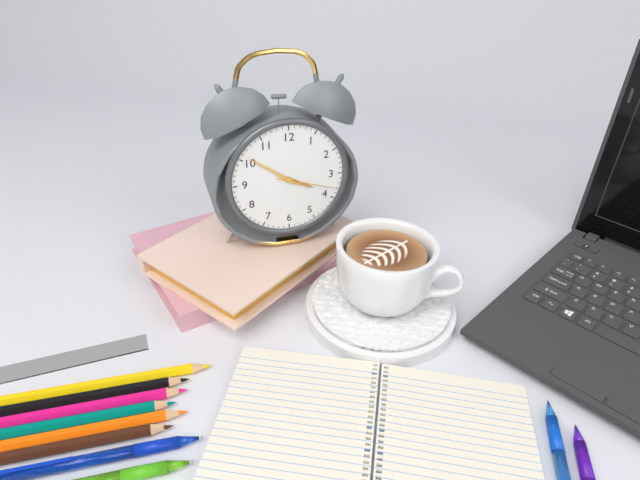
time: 3:51:18
